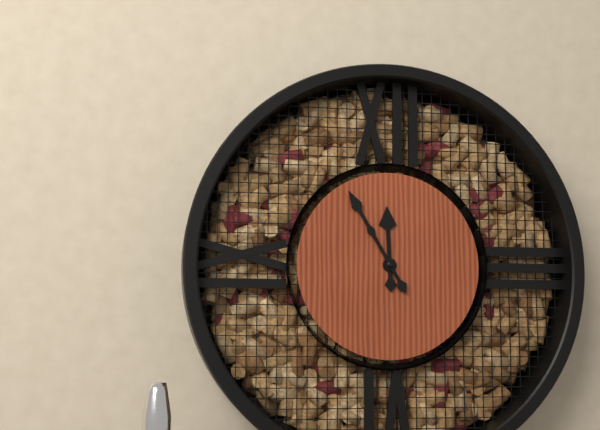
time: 11:55
